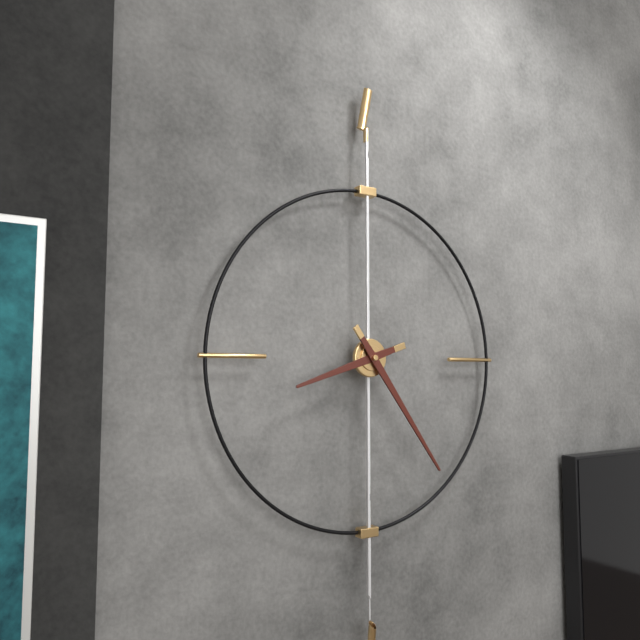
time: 8:24
